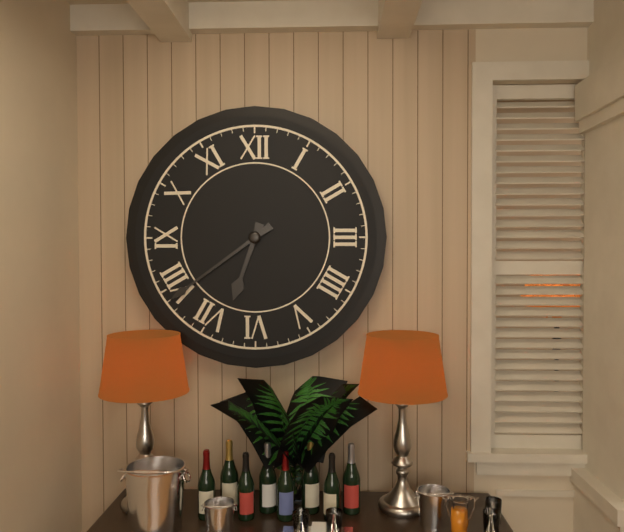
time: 6:39
